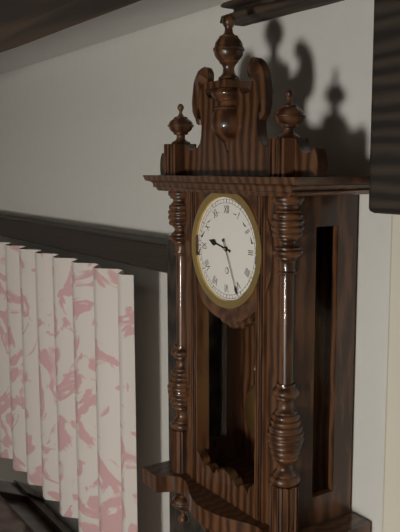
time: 9:26
